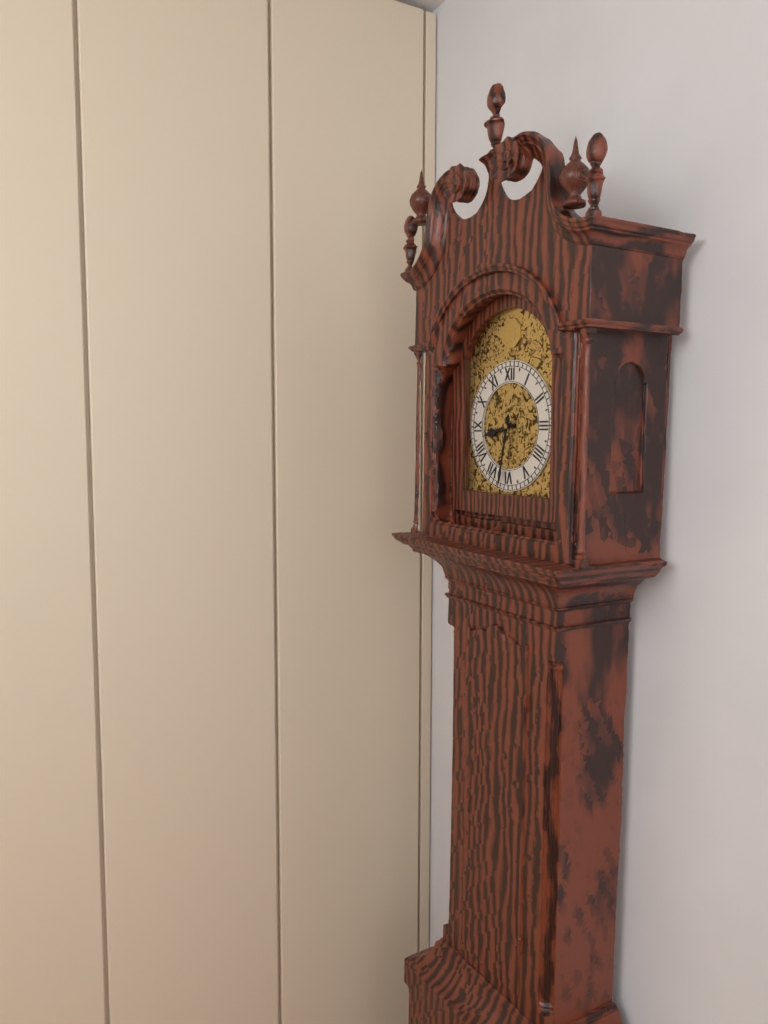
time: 8:32
